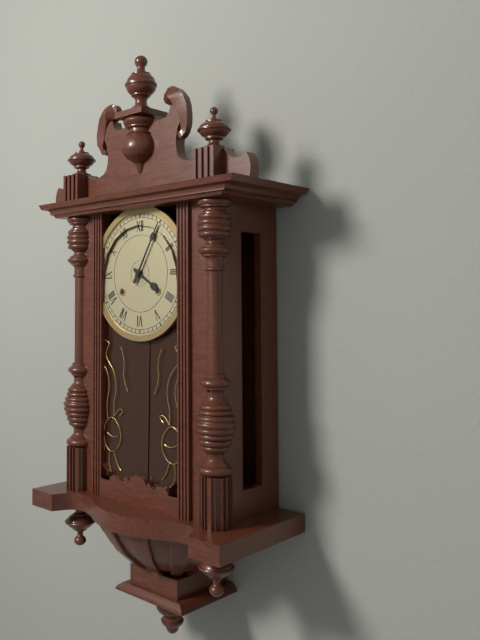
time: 4:05
